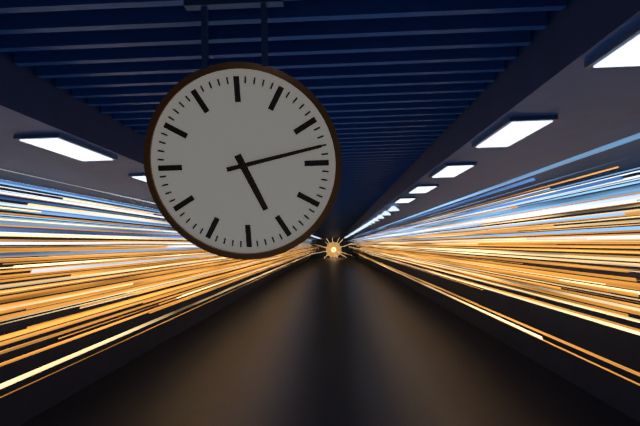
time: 5:13
